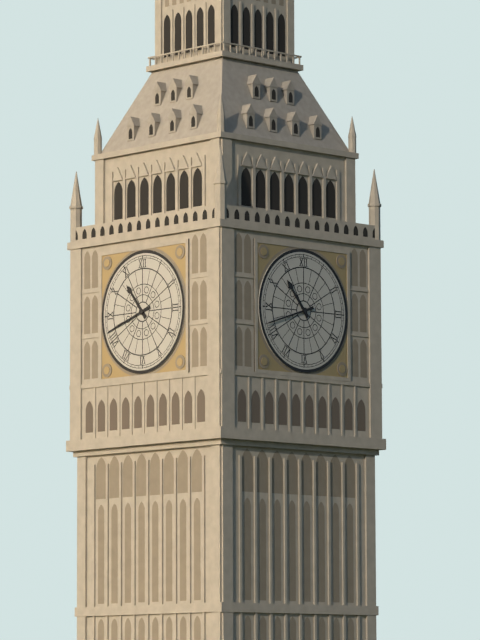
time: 10:42
